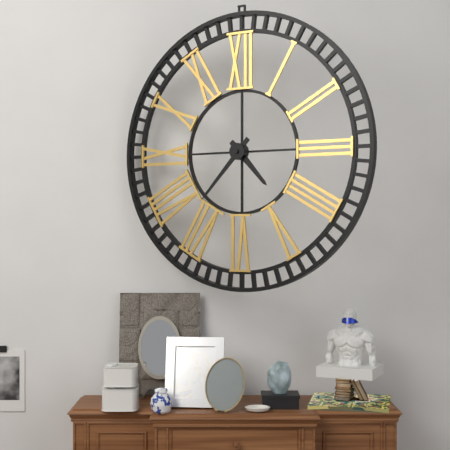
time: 4:37
